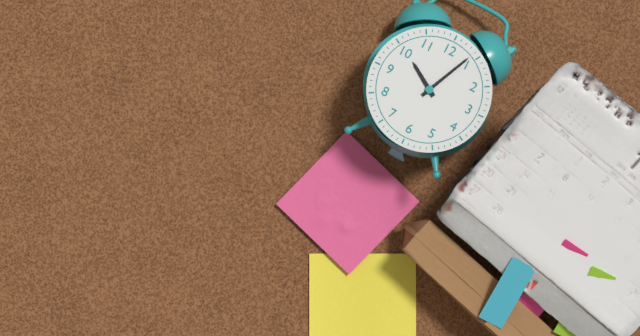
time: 10:04
